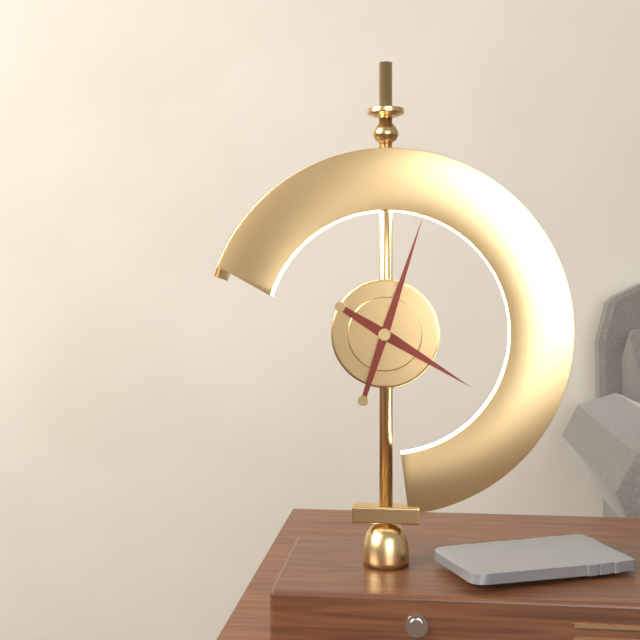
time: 4:03
